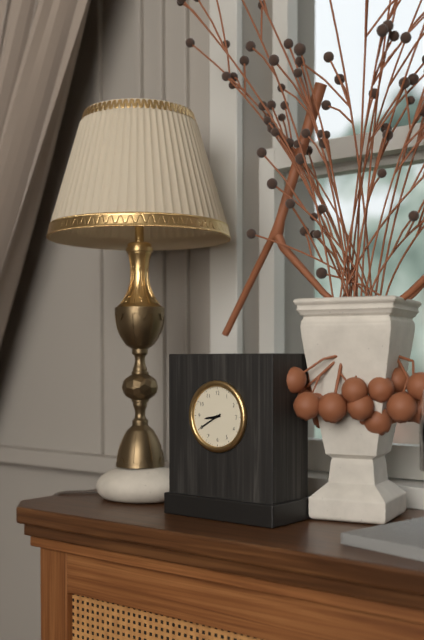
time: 8:40
